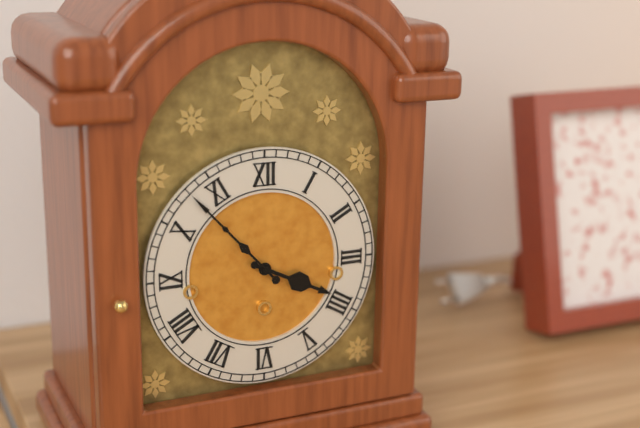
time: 3:53
